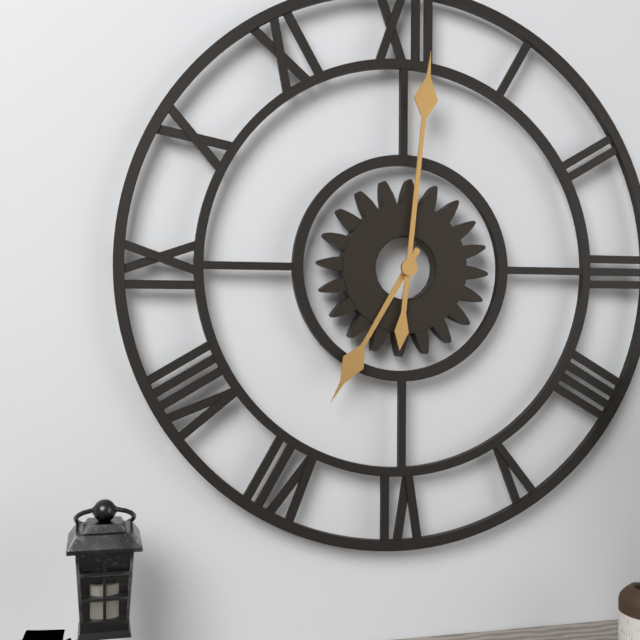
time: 7:01
